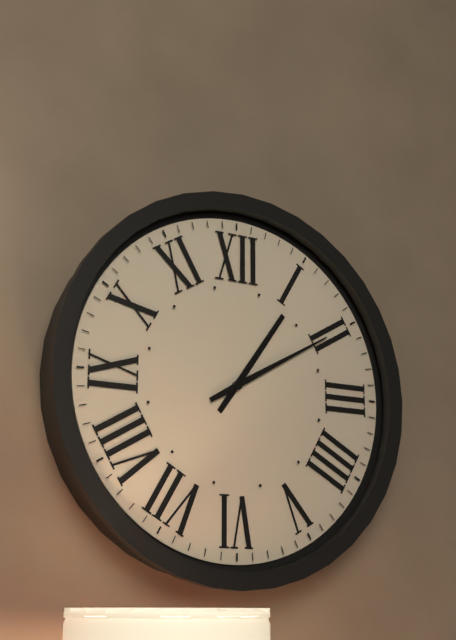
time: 1:10
